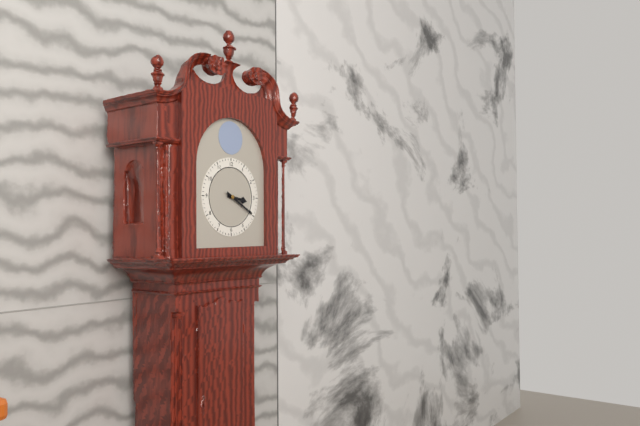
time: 3:20
